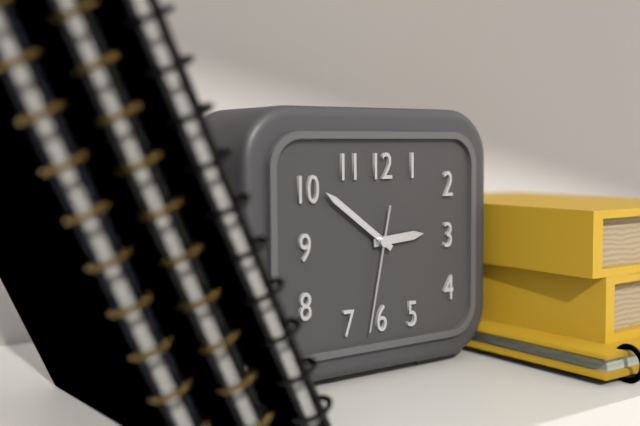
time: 2:51:32
